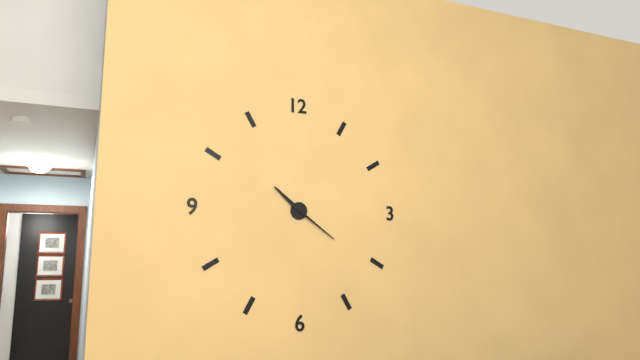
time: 10:21
